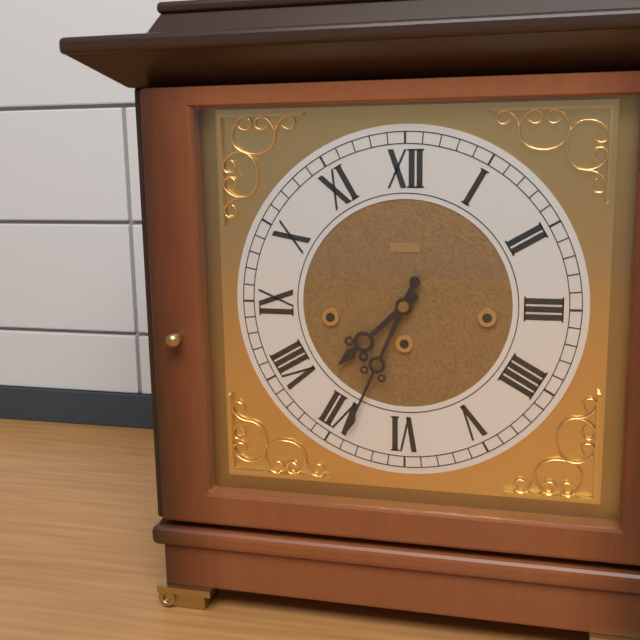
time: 7:34
